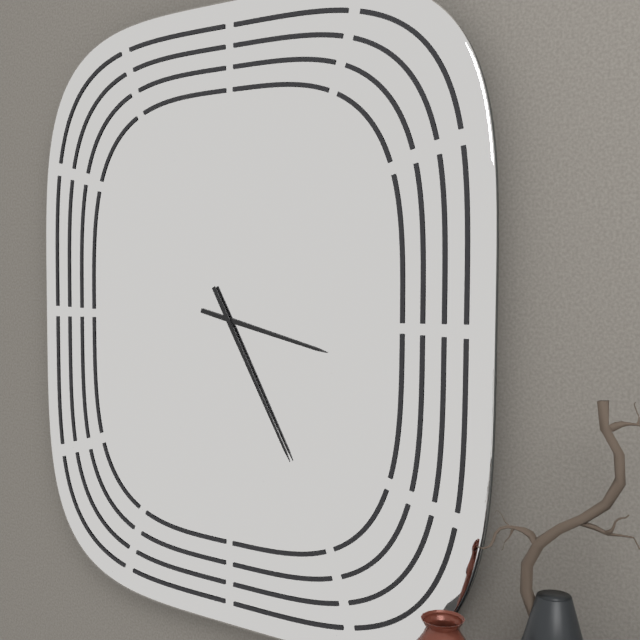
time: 3:25
